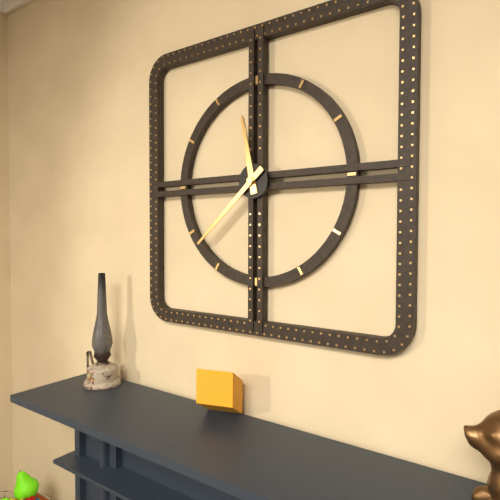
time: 11:38
